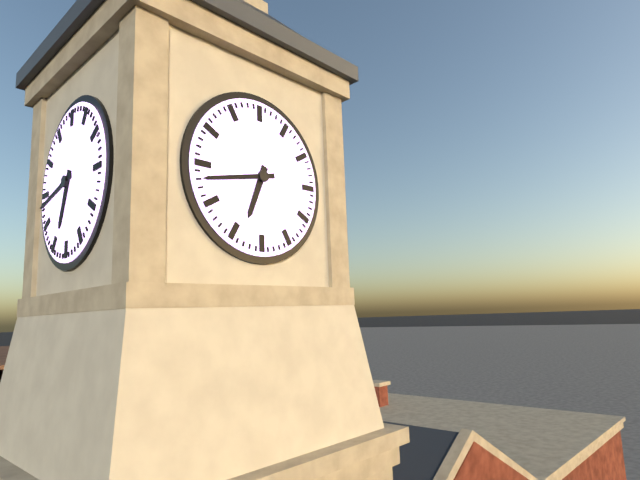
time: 6:43
